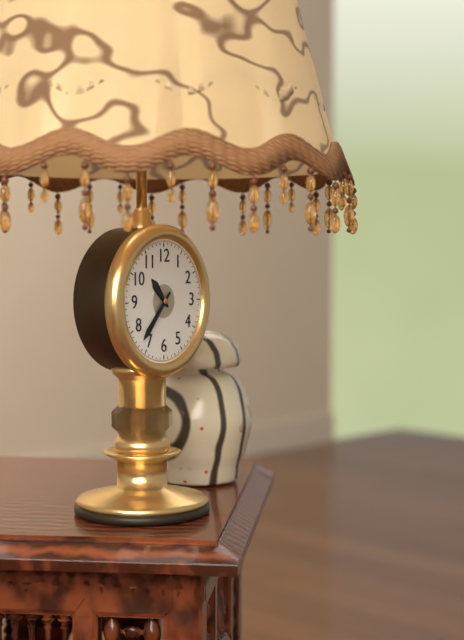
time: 10:37
